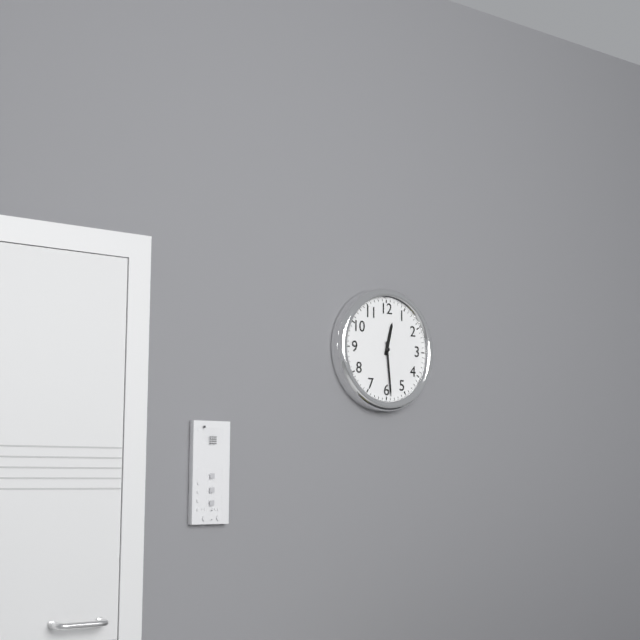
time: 12:29
